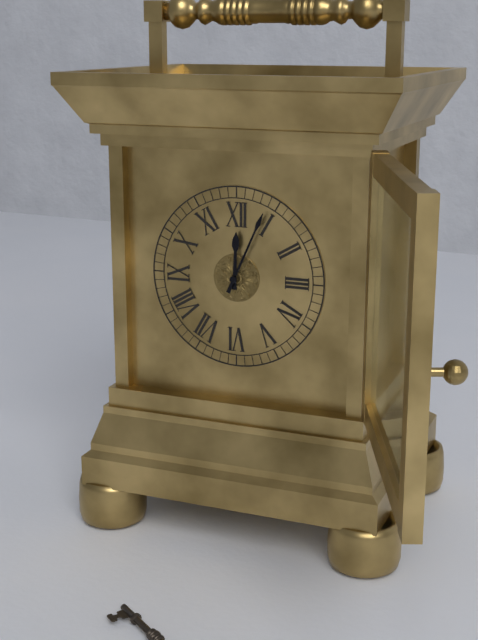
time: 12:04
